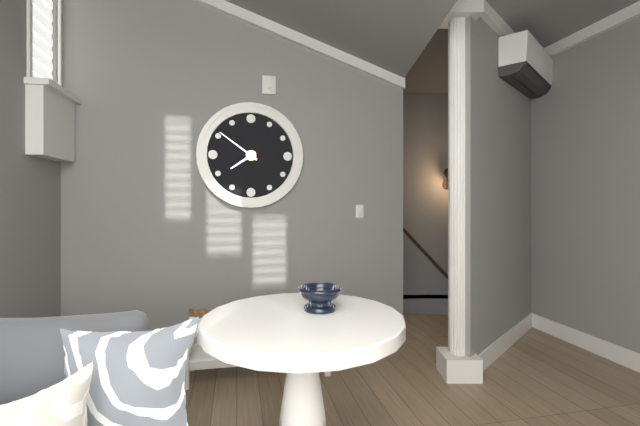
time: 7:51
